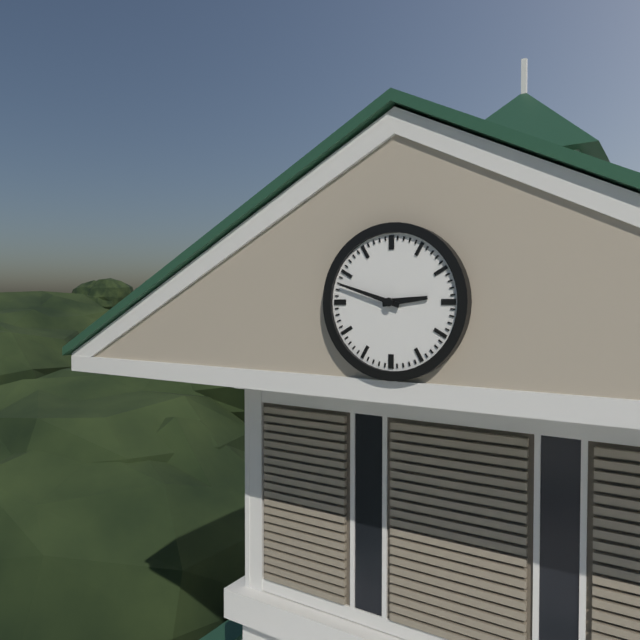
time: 2:48
